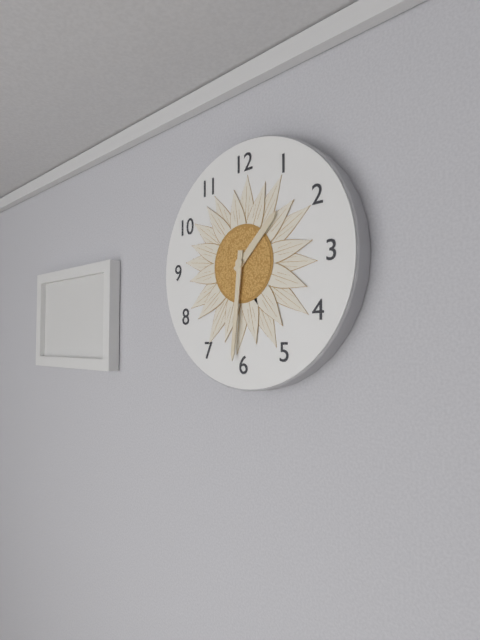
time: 1:31
